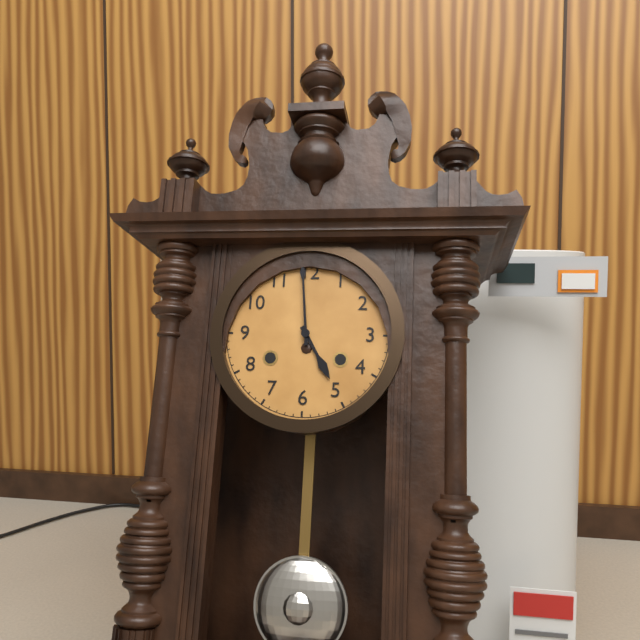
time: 4:59
